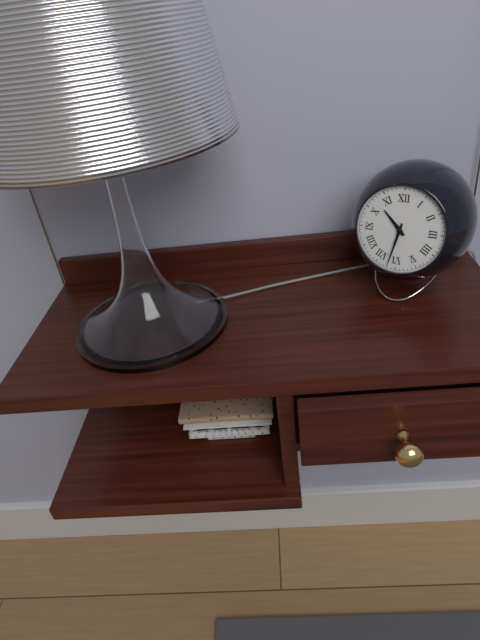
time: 10:32
